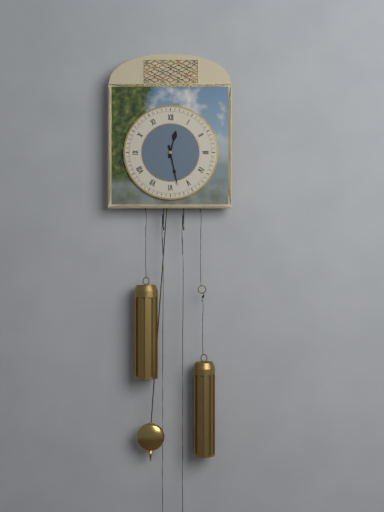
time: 12:28
